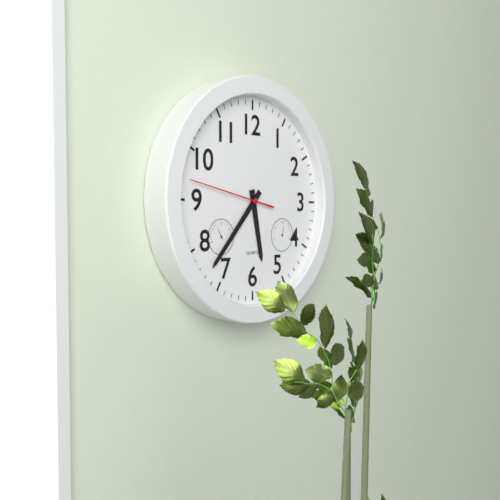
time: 5:37:47
